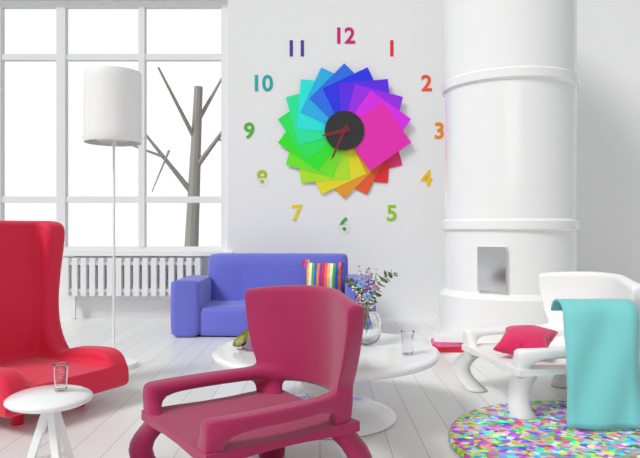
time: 8:34
